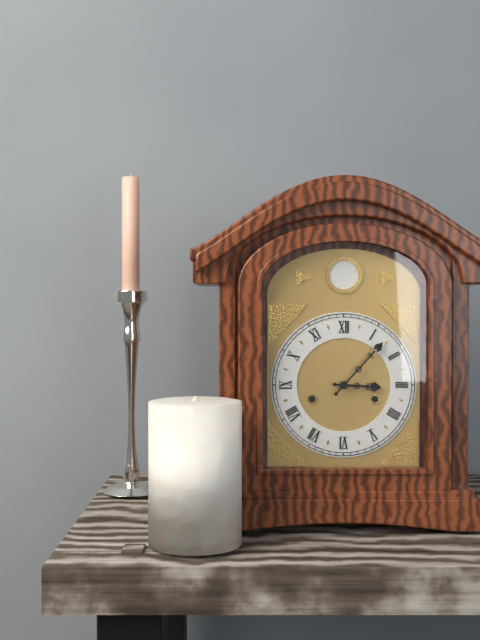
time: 3:07
